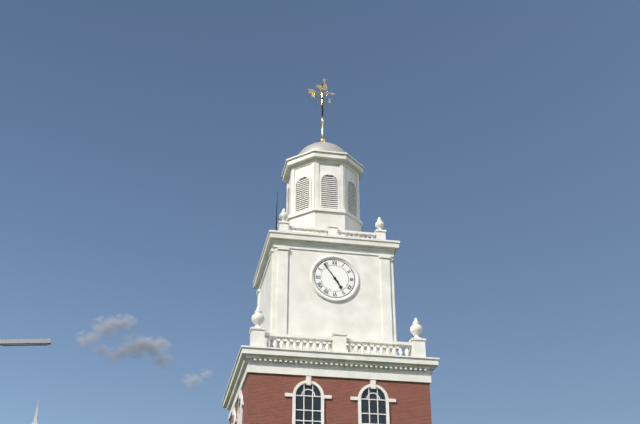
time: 4:54
